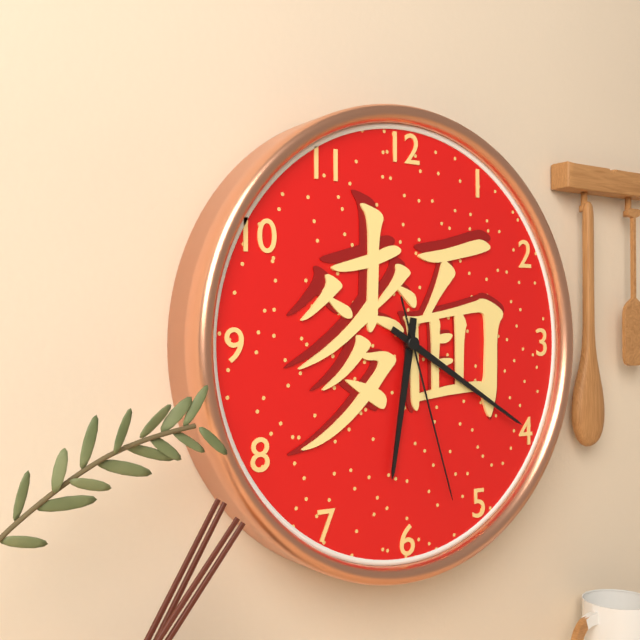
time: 6:20:27
